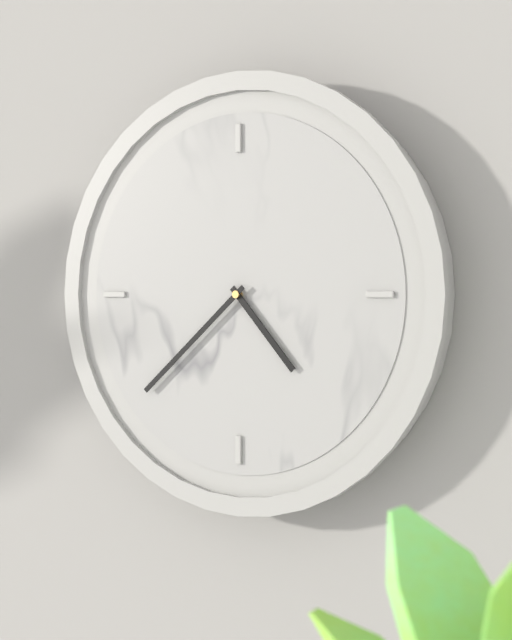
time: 4:38
